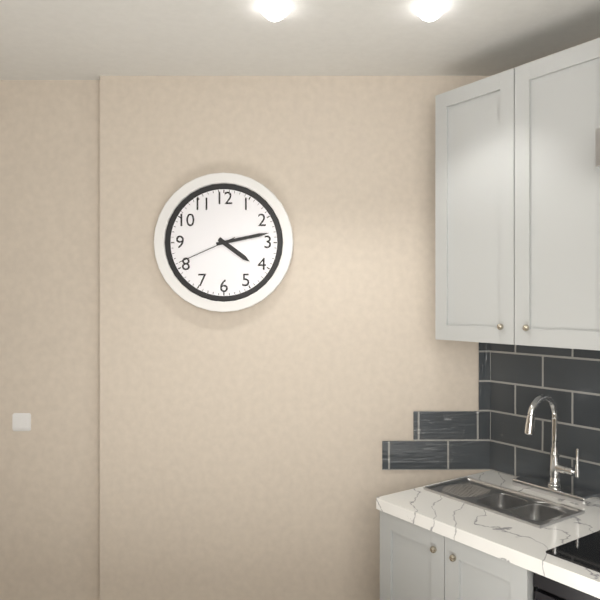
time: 4:13:41
